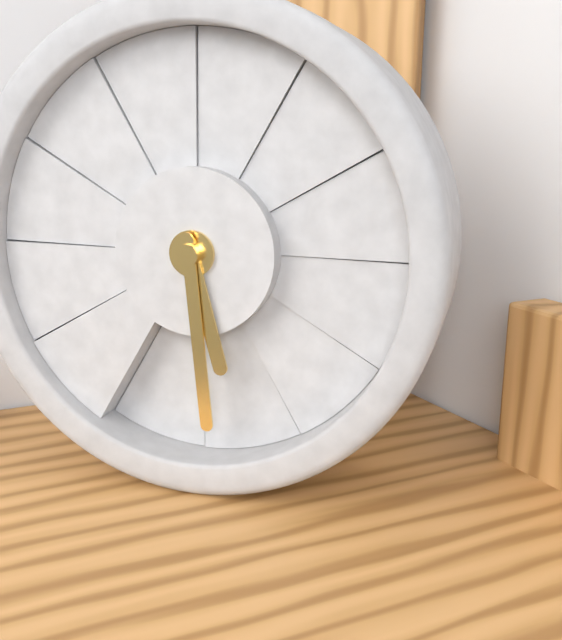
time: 5:29
